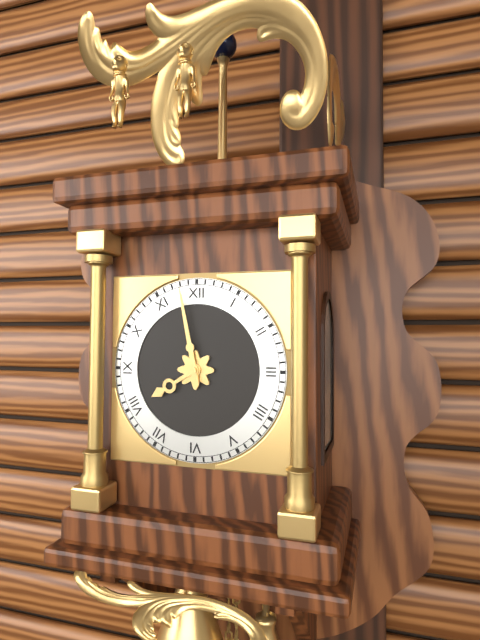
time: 7:58
